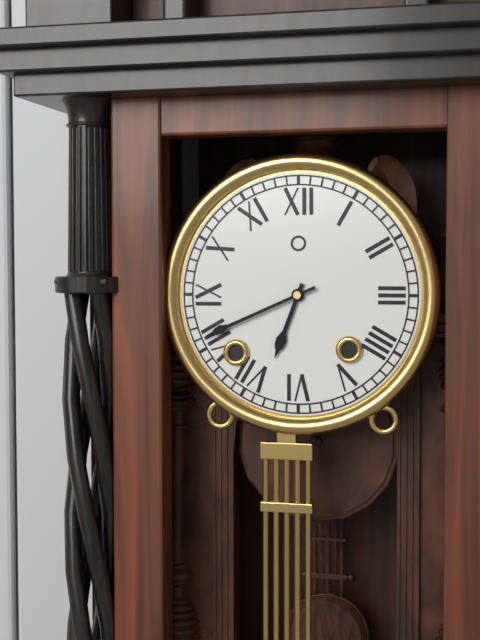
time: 6:41
